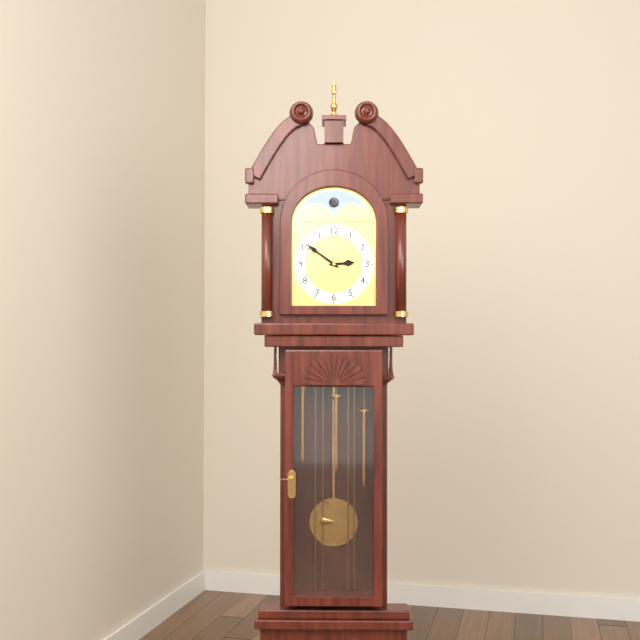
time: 2:51
